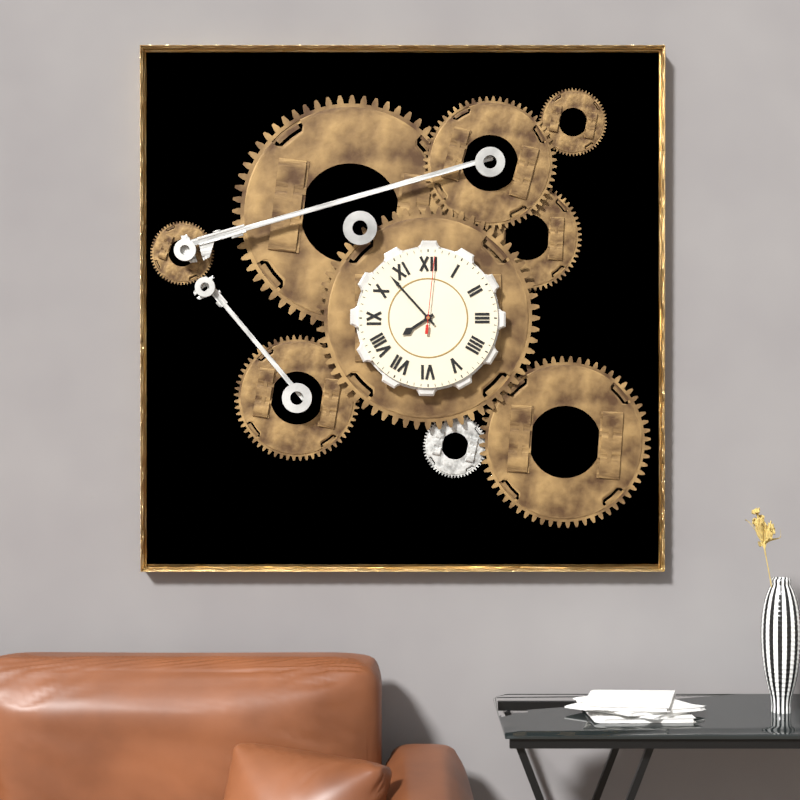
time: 7:53:01
